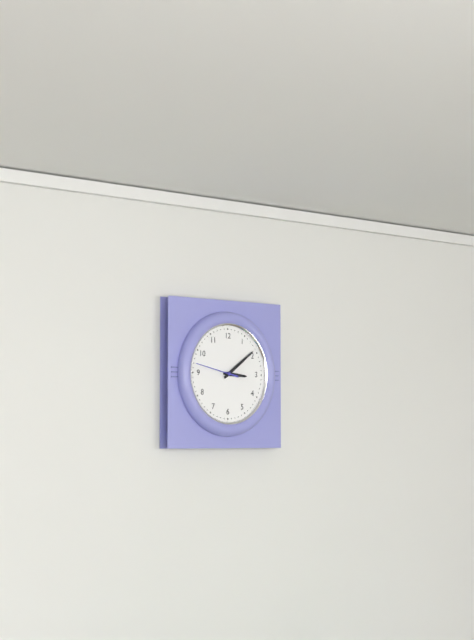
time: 3:09
